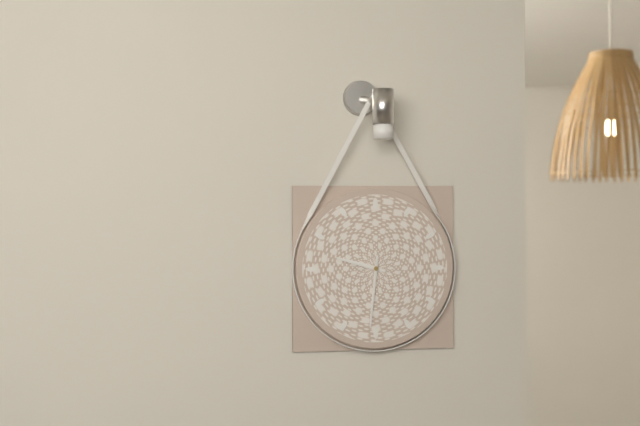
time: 9:31
